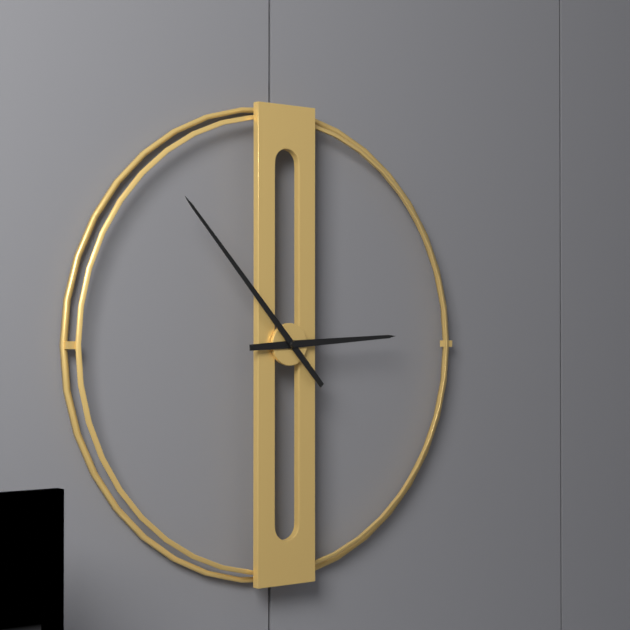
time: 2:53
